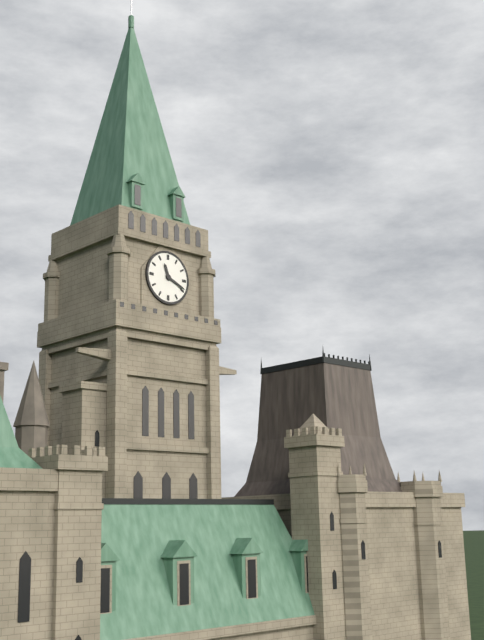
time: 11:19
